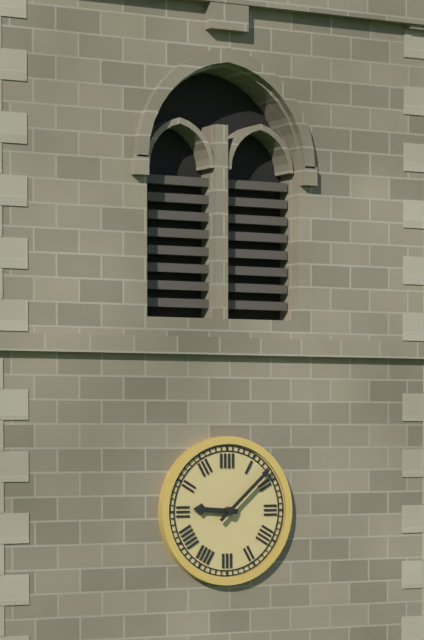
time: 9:08
